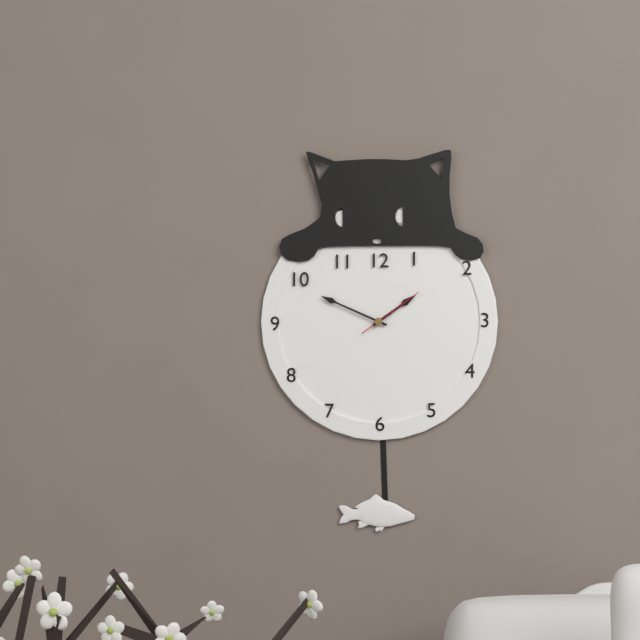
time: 1:49:09
